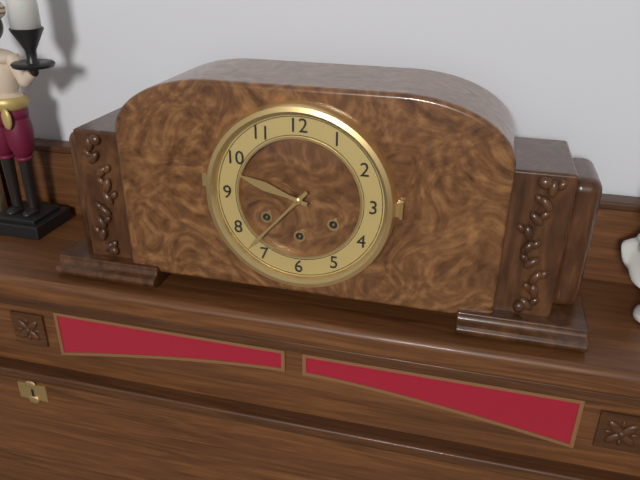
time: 9:37
